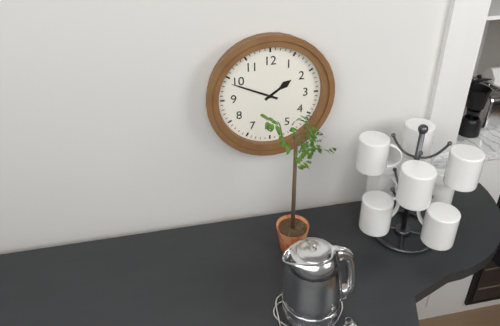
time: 1:49
